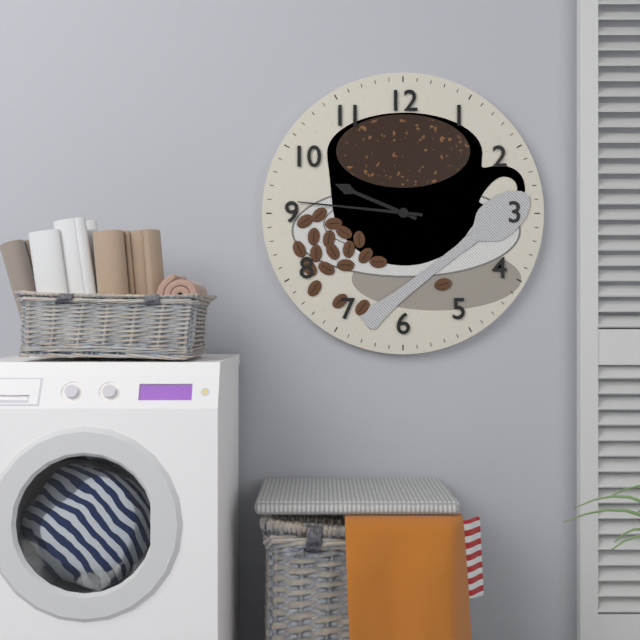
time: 9:46
